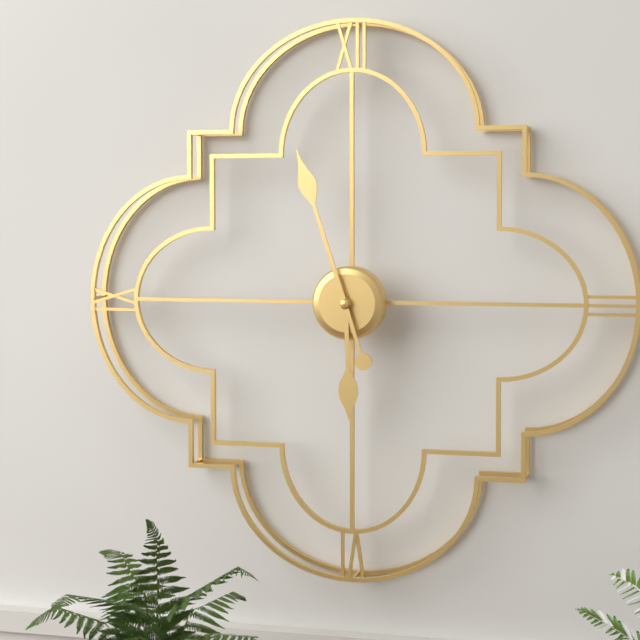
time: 5:57
